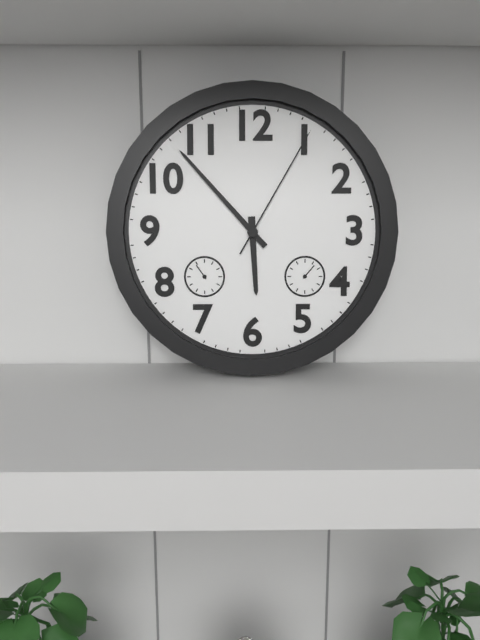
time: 5:53:05
